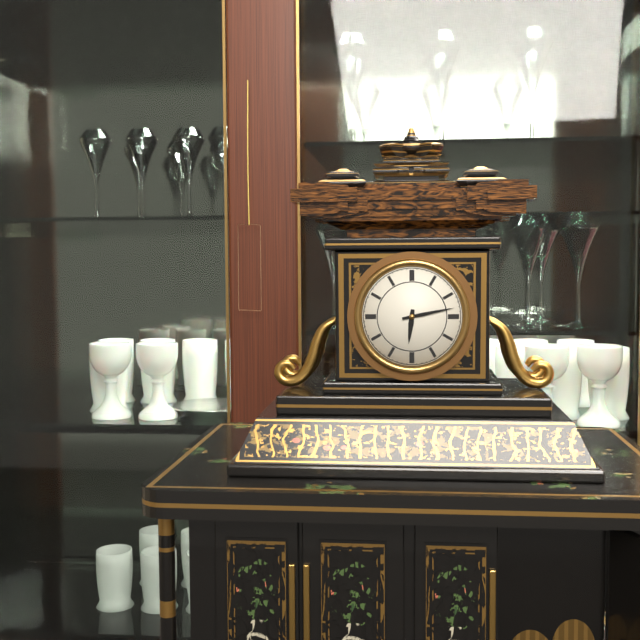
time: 6:13
